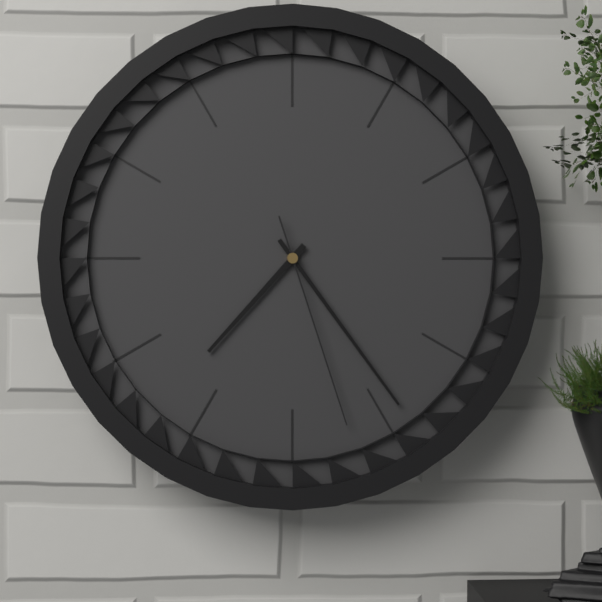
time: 7:24:27
